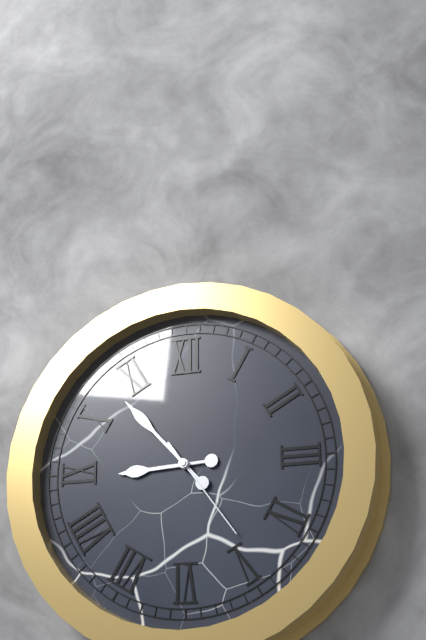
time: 8:53:24
